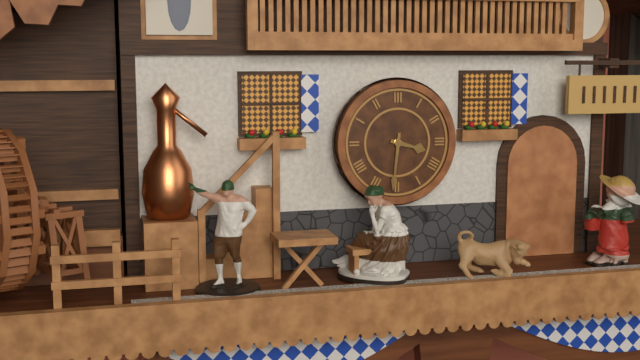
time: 3:31
